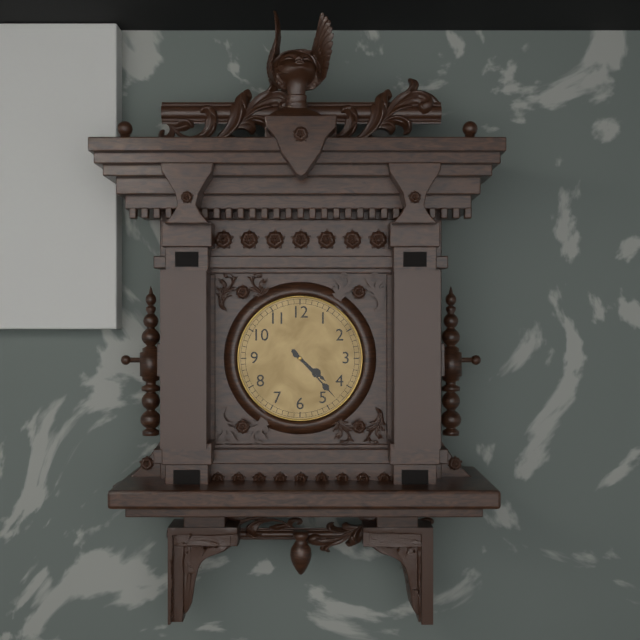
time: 4:23
